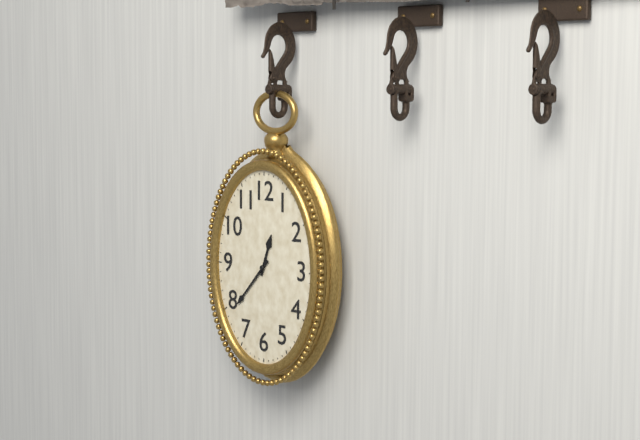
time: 12:37
